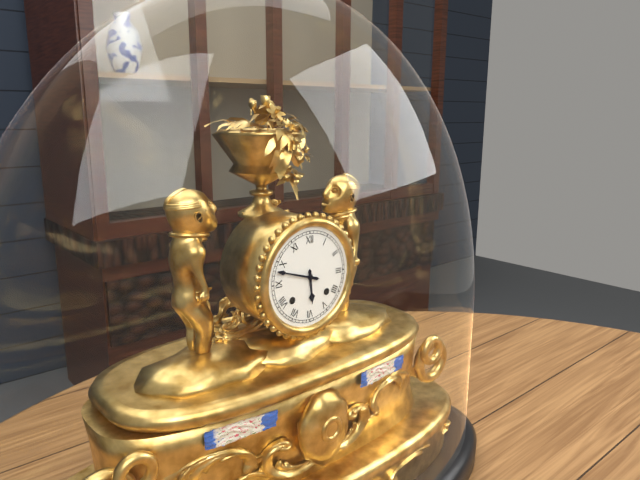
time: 5:48
